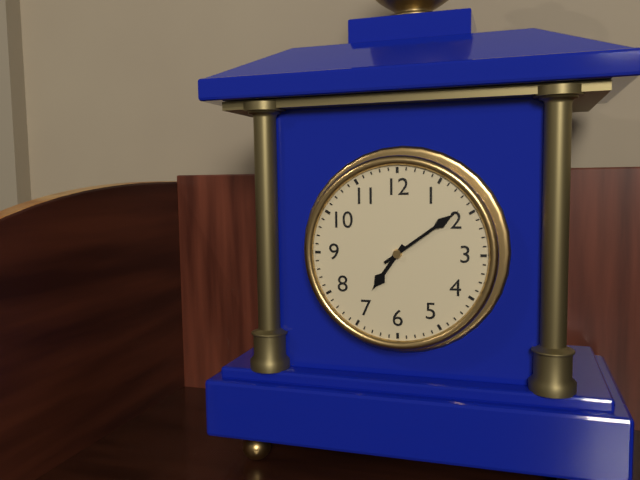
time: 7:09
